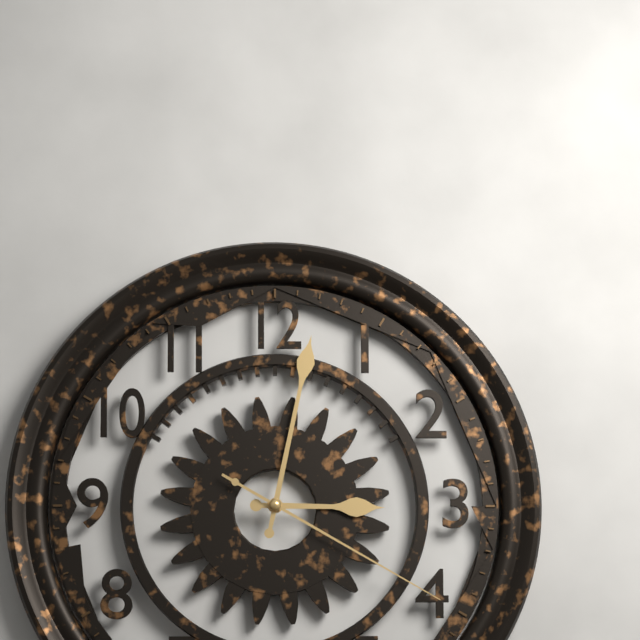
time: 3:02:20
